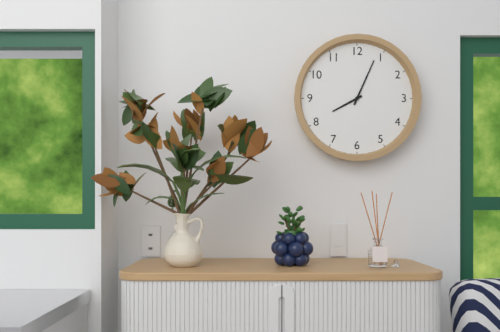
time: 8:04
